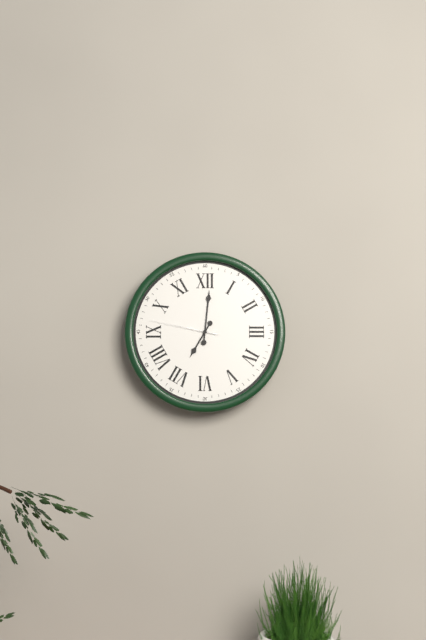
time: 7:01:47
